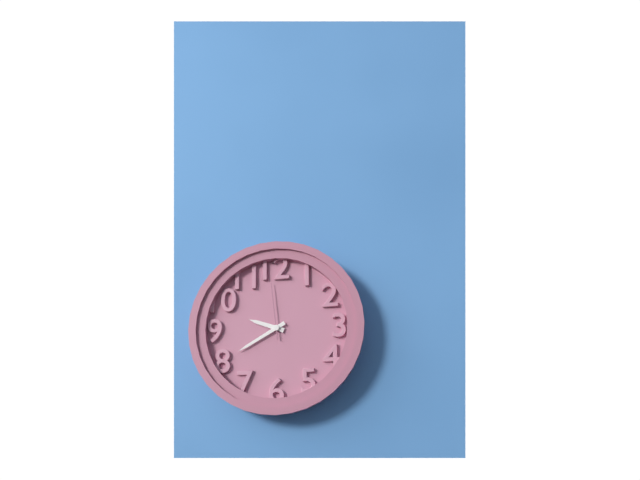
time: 9:40:59
